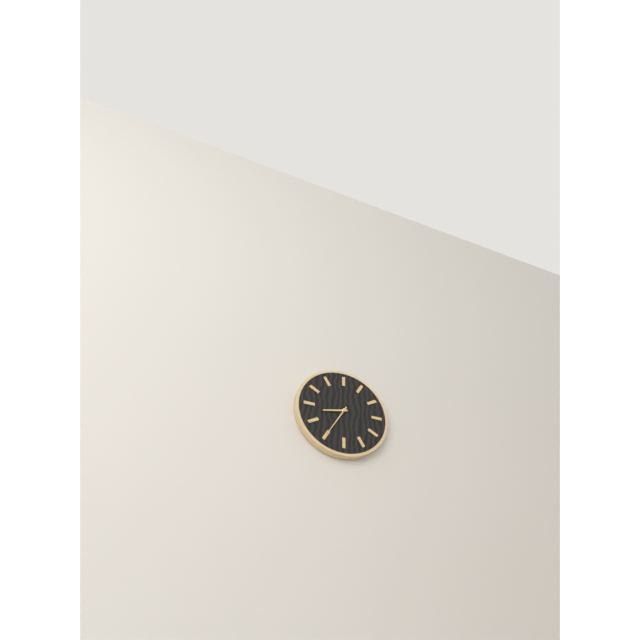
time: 8:35
